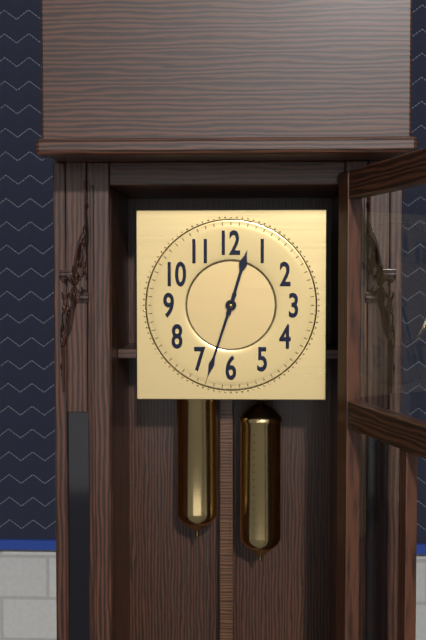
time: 12:33
